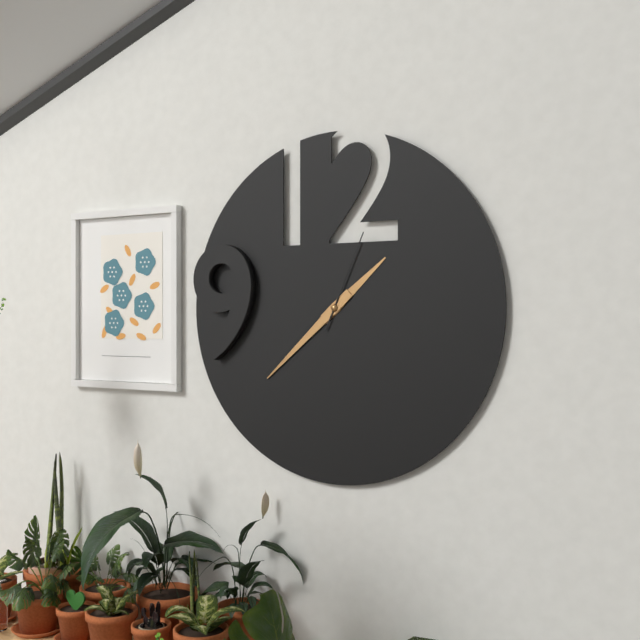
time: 1:38:04
